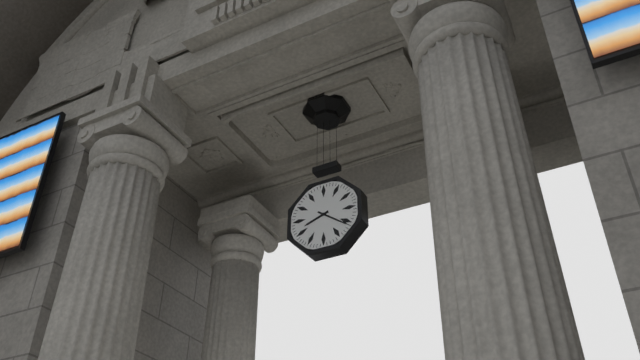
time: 8:21
